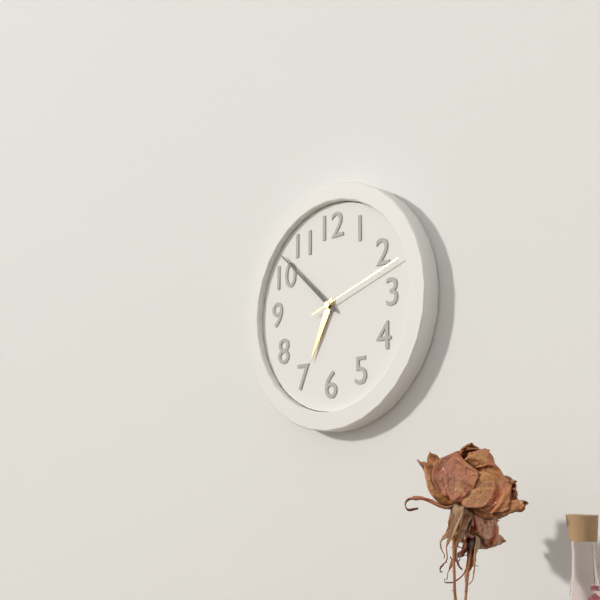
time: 6:52:12
